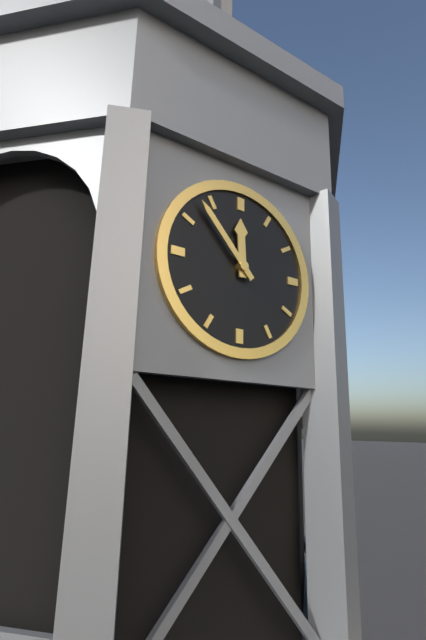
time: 11:53
